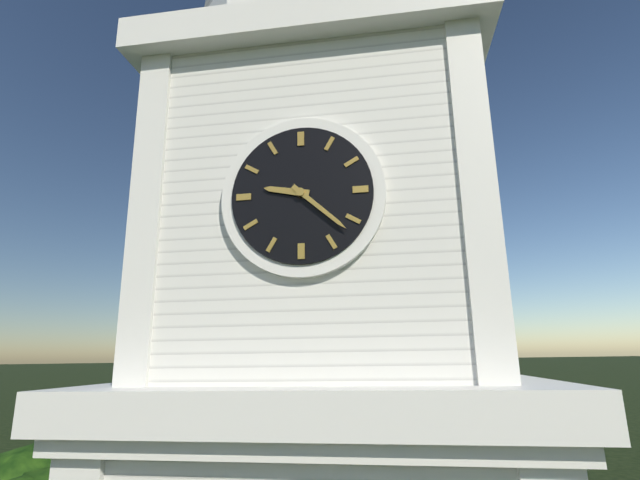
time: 9:22
